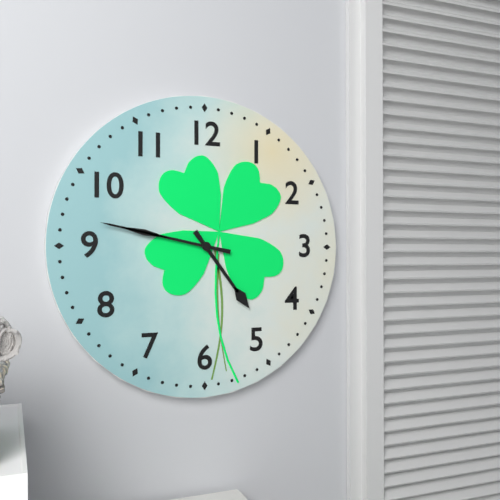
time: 4:47
